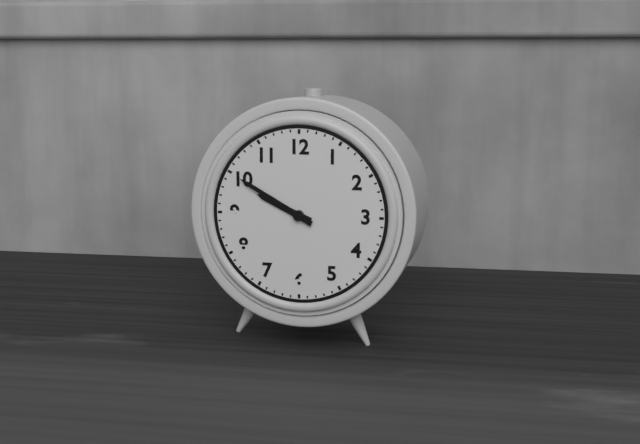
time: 9:50
